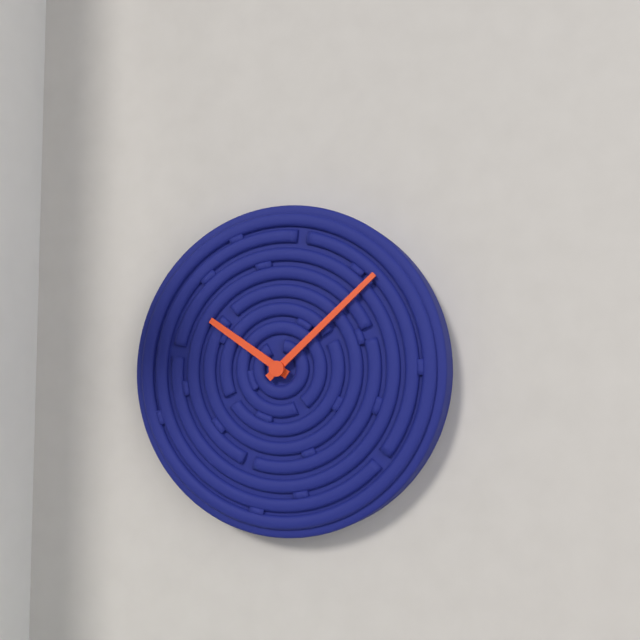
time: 10:08
